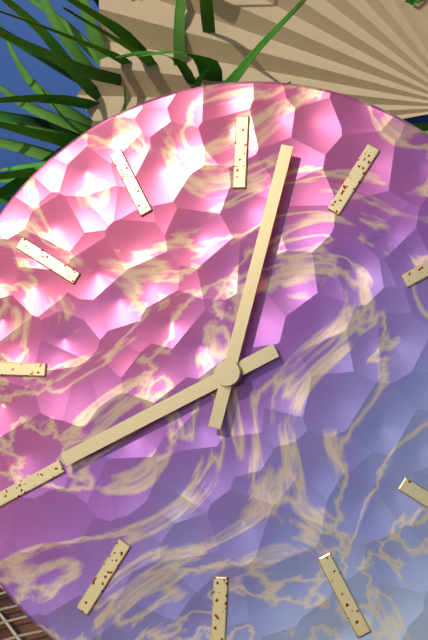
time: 8:02
